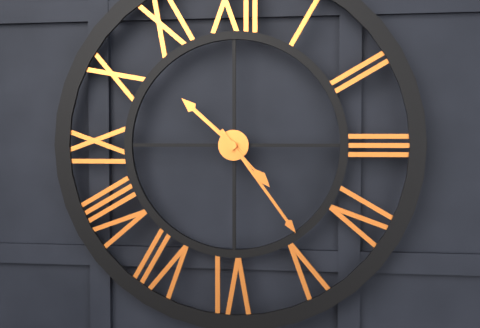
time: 10:24:23
